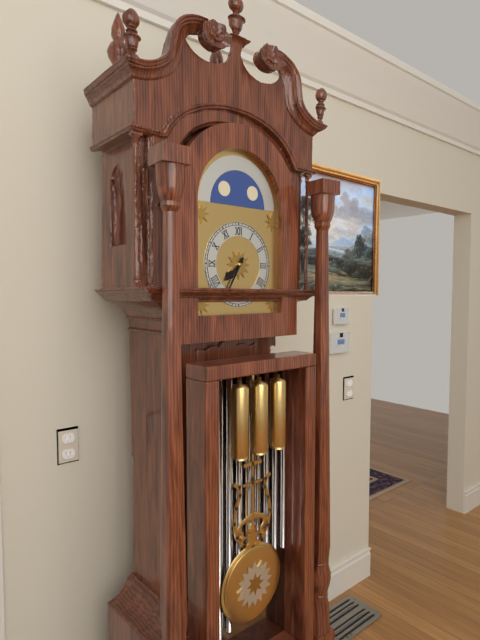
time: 7:35
